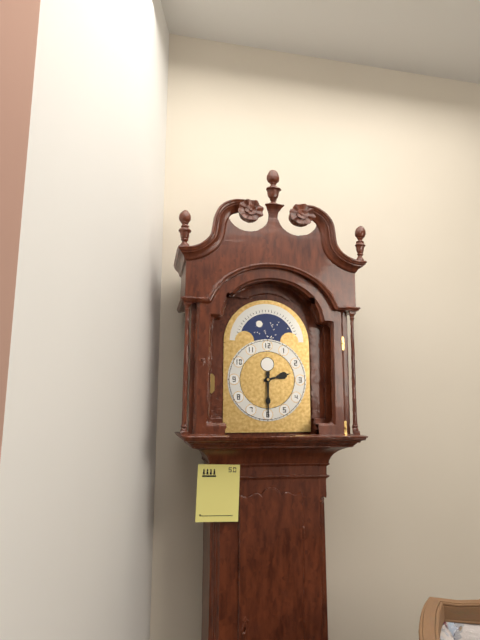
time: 2:30
